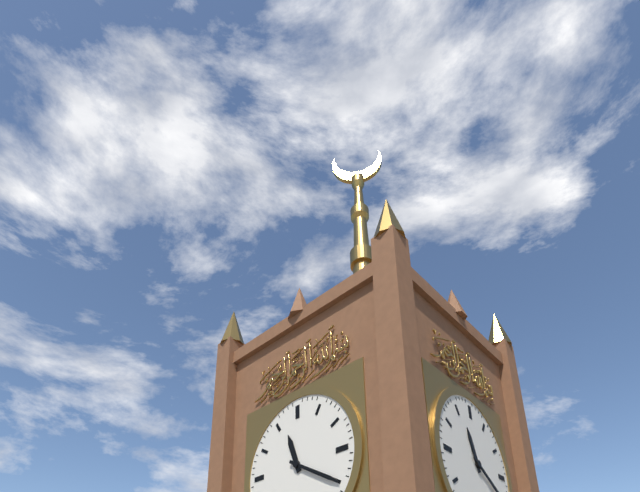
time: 11:20
